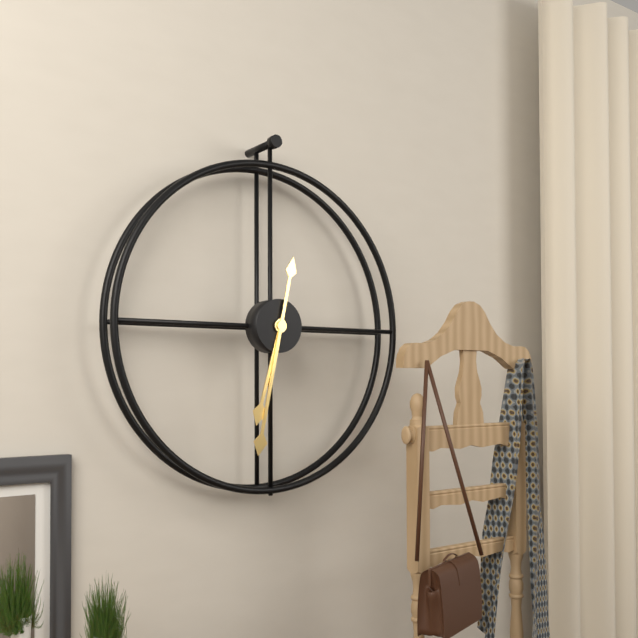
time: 6:32
